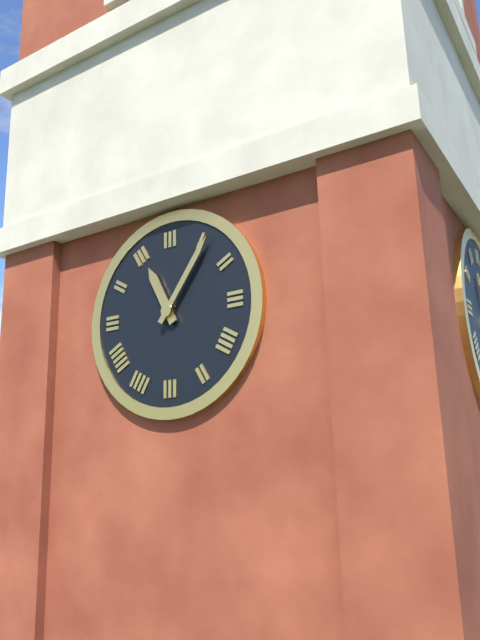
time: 11:06
